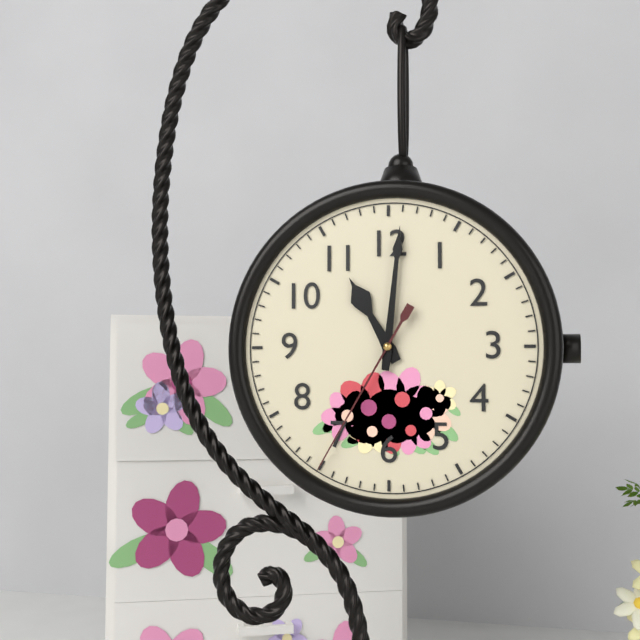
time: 11:01:35
